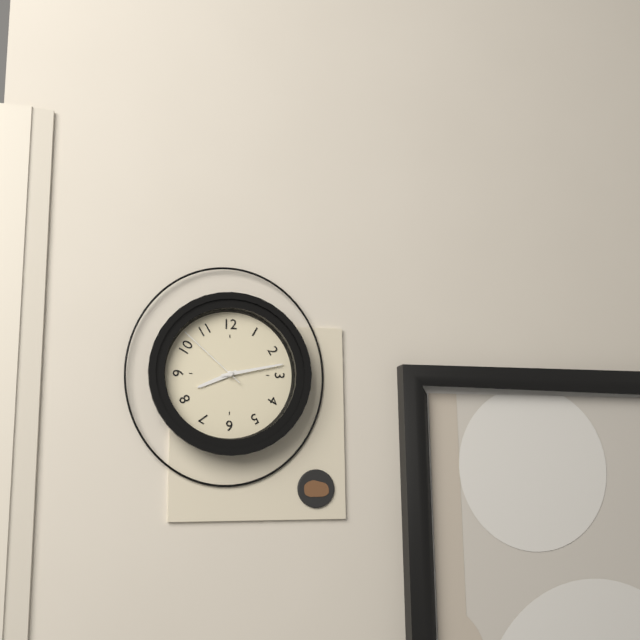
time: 8:13:52
